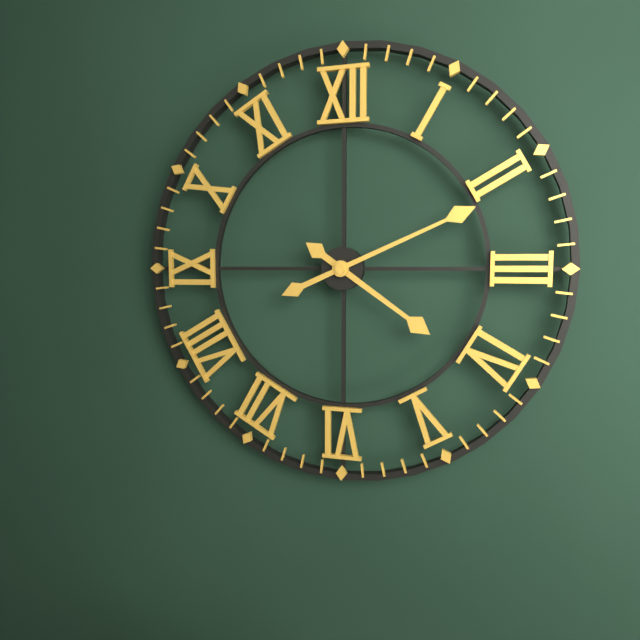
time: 4:11
